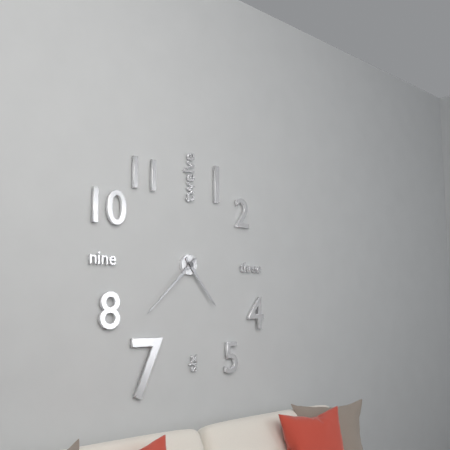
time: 4:38
